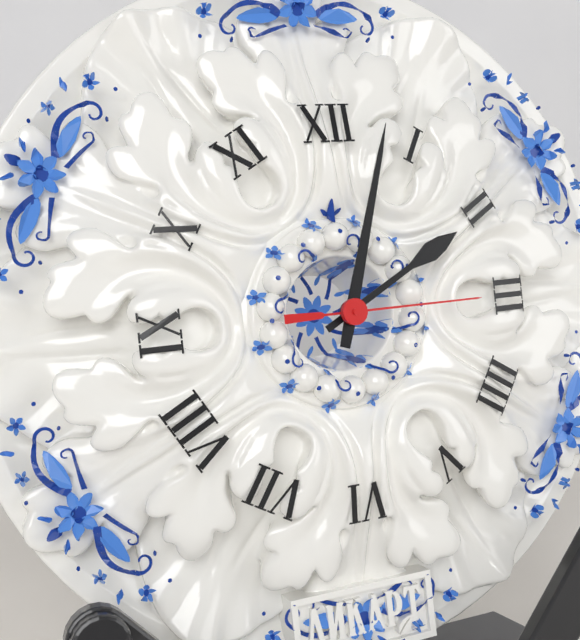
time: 2:03:15
